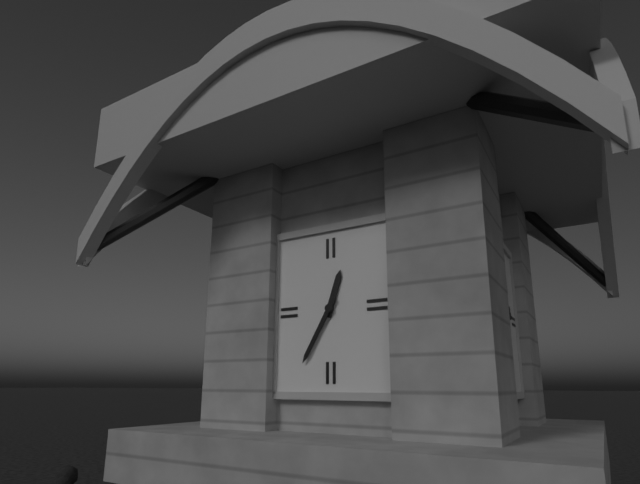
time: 12:35
